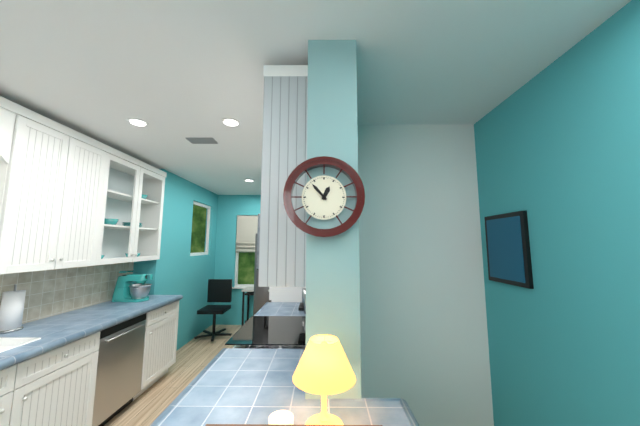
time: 12:53
